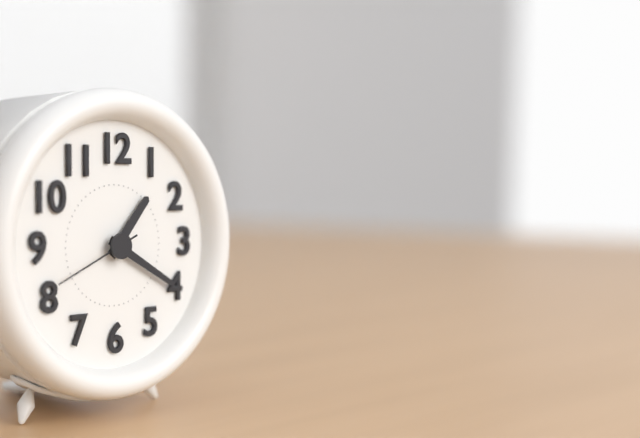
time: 1:20:41
